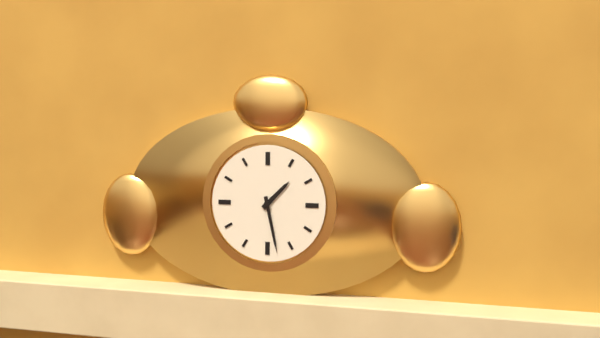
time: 1:28
